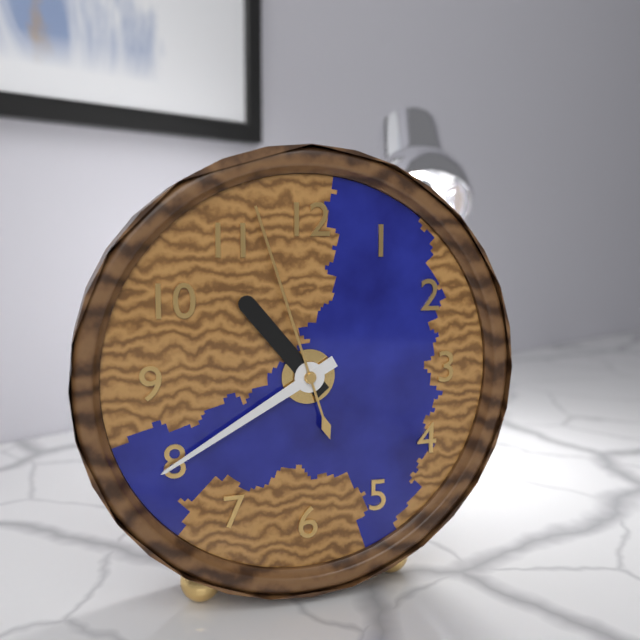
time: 10:40:57
